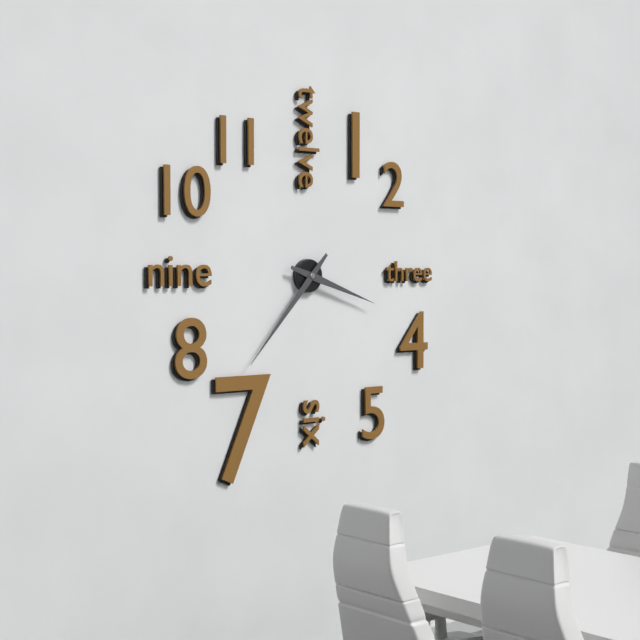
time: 3:37
